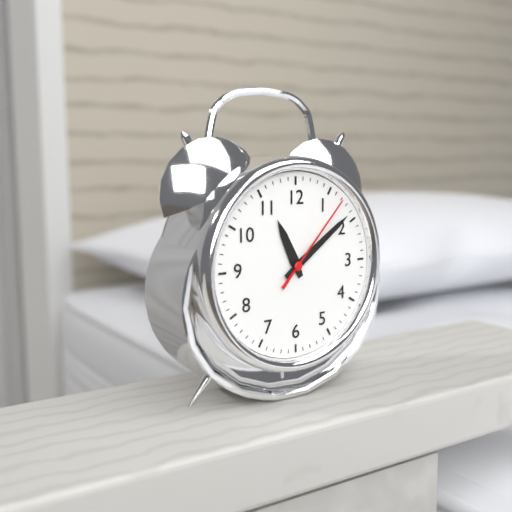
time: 11:09:07
